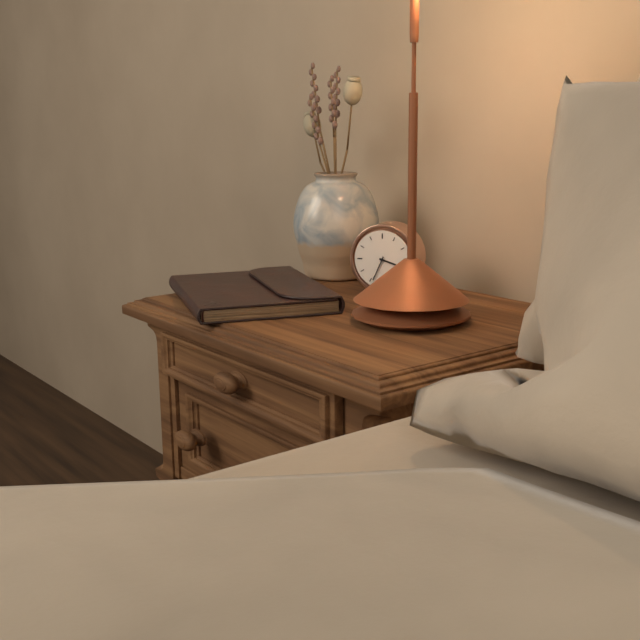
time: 3:34
